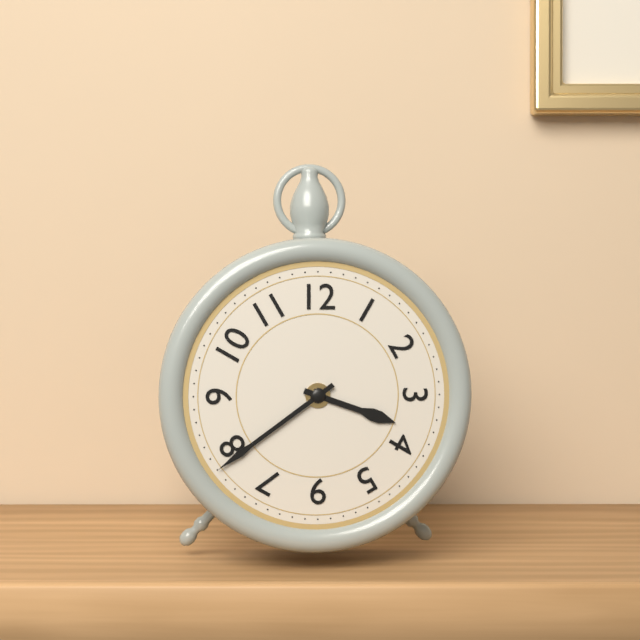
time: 3:39
